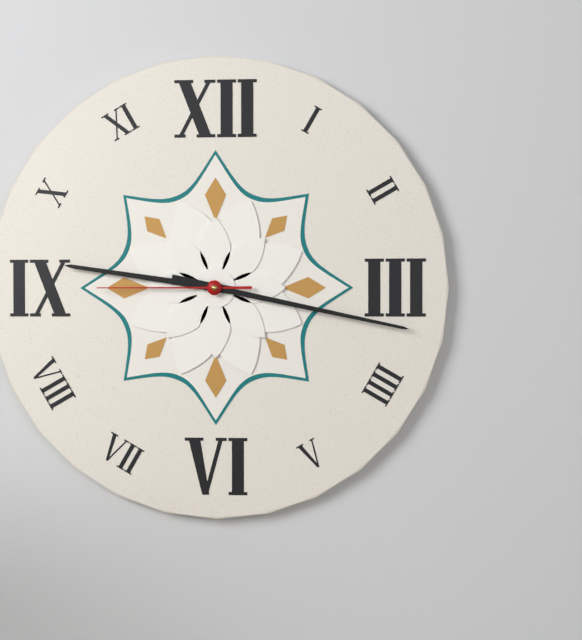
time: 9:17:45
